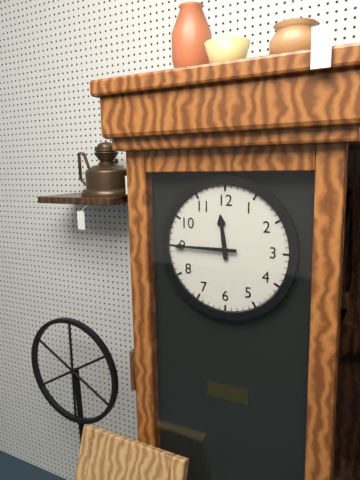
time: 11:45
